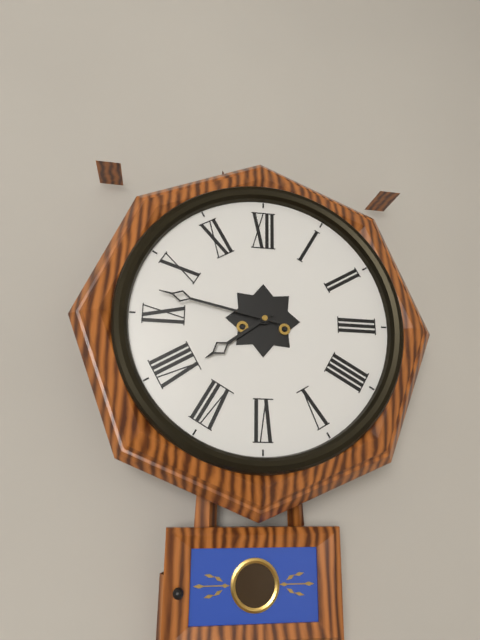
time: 7:47
